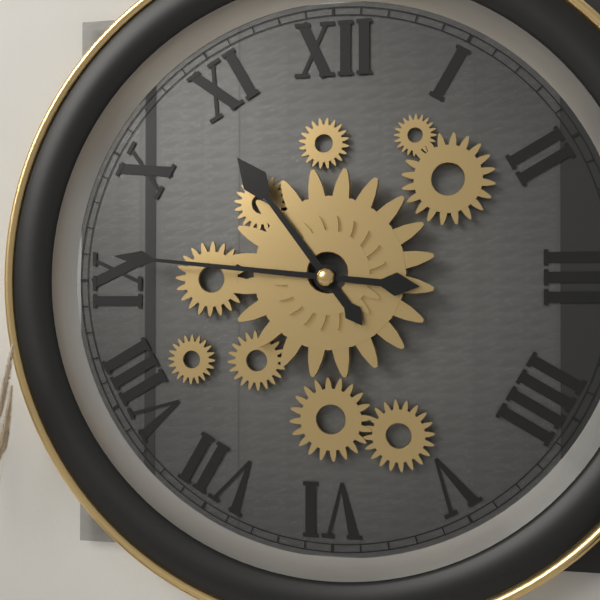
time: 10:46
